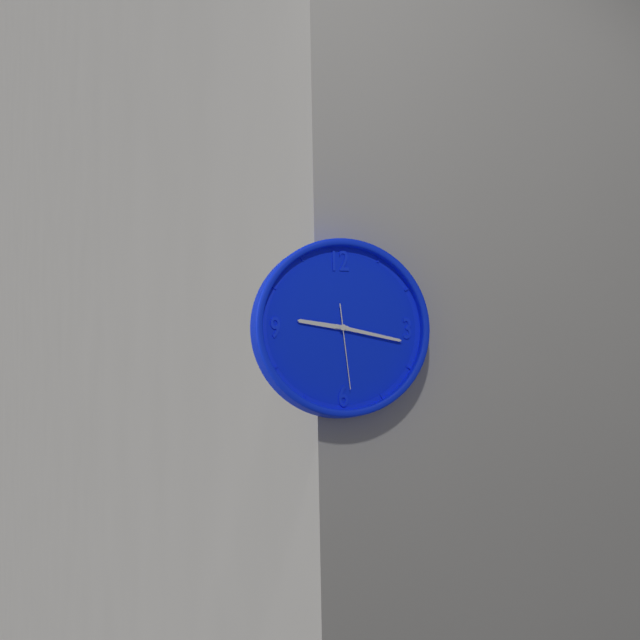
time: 9:17:29
